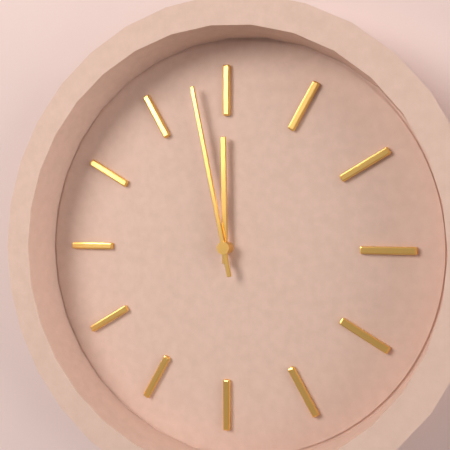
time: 11:58
